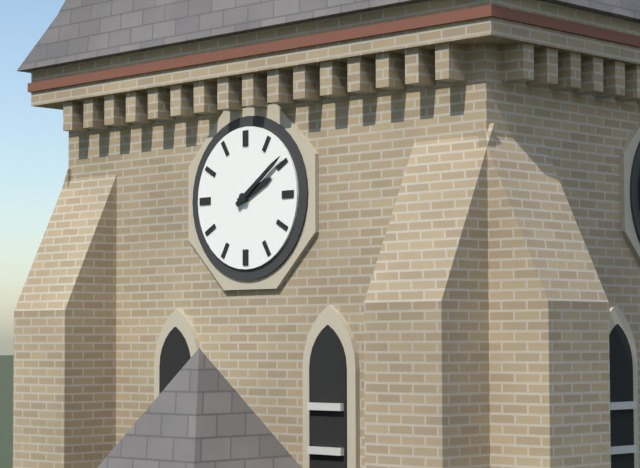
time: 2:09
